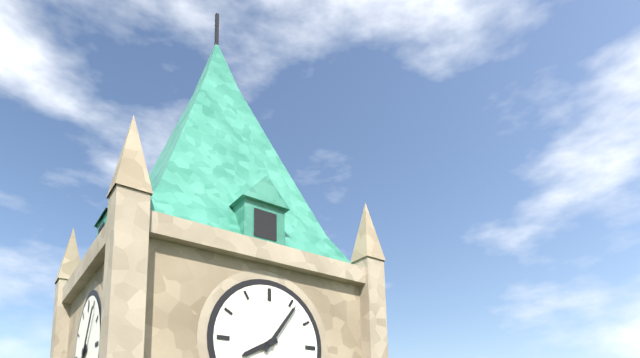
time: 8:06
